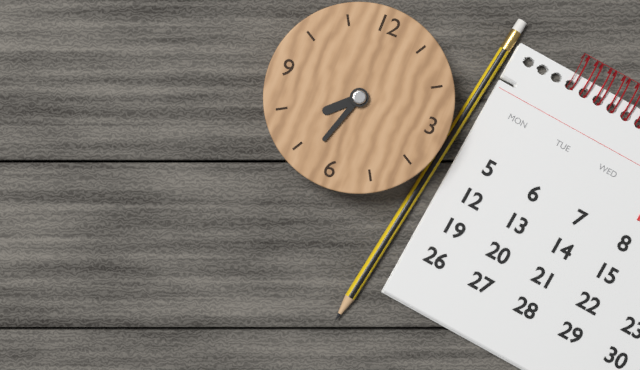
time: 7:33
